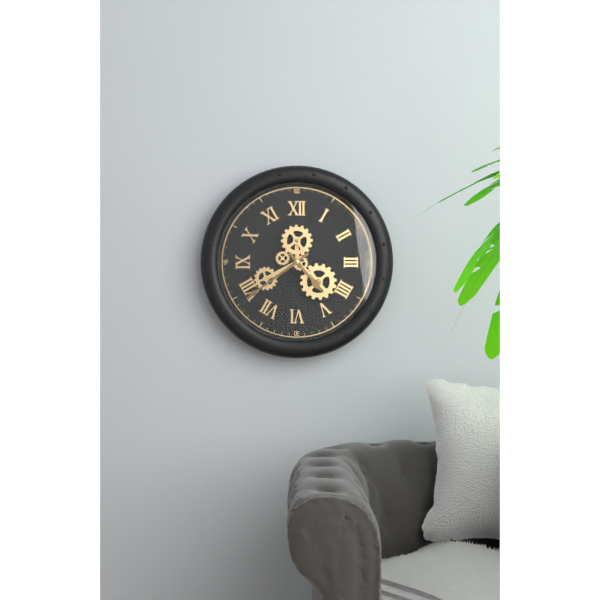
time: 4:39
